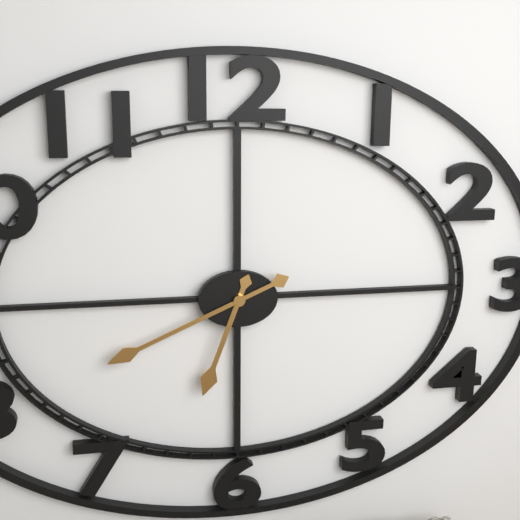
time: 6:41
